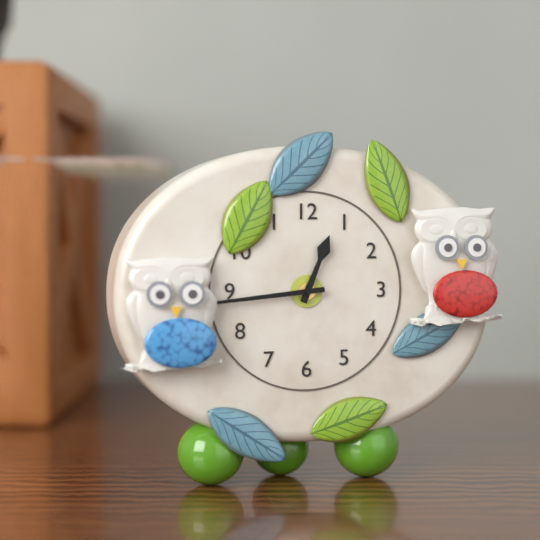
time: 12:44
